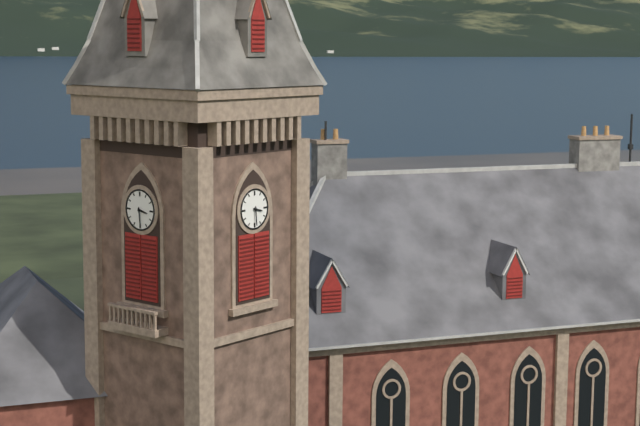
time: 3:29
